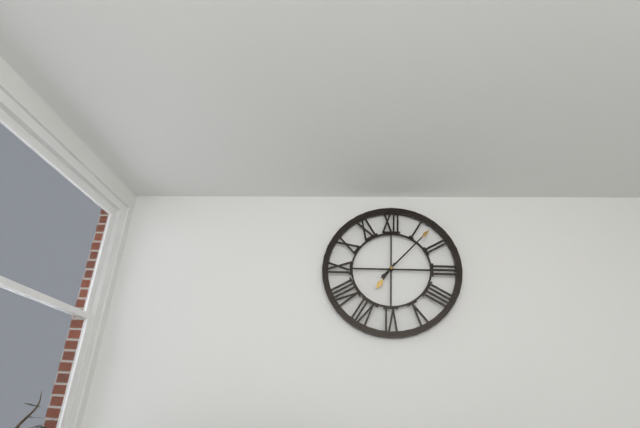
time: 7:07
